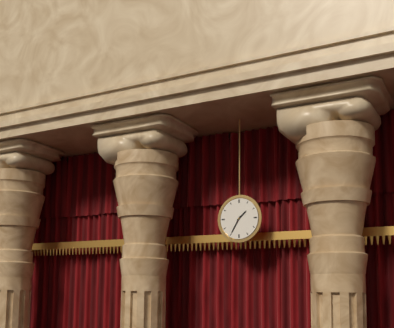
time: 1:35
